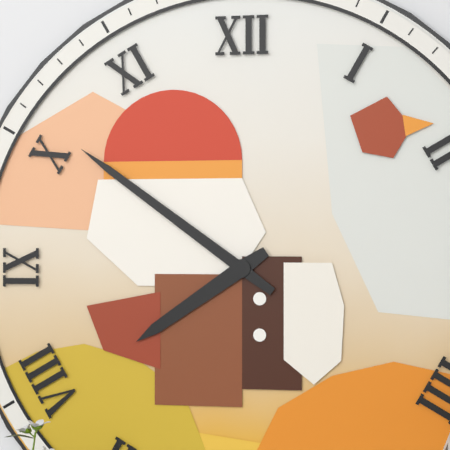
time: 7:51
